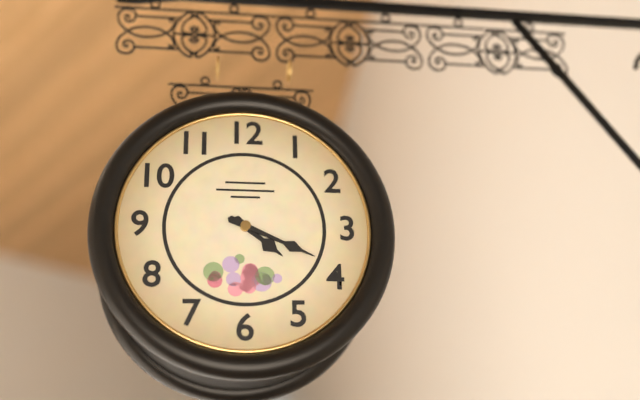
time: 4:19
